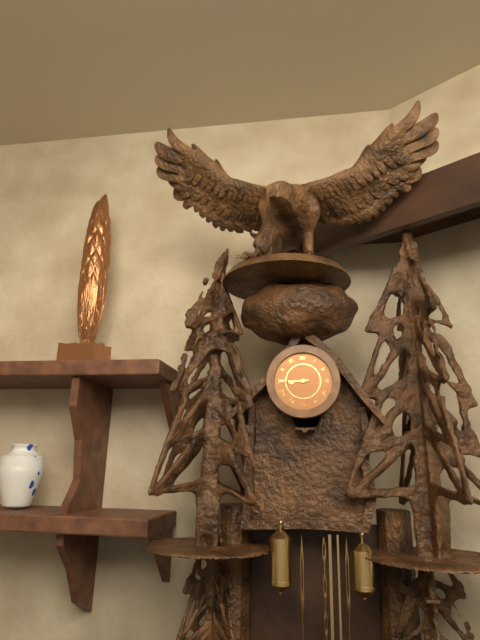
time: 8:45
